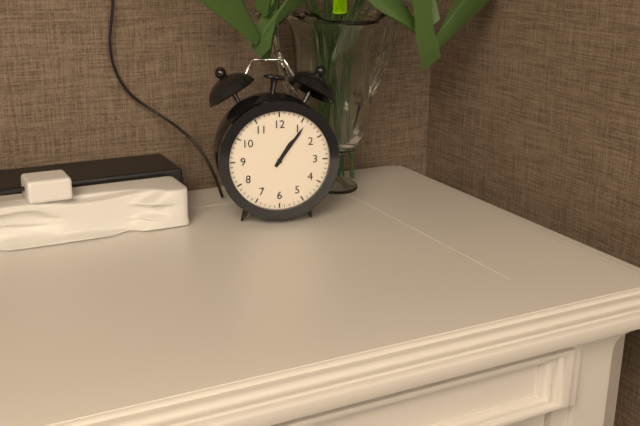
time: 1:06
